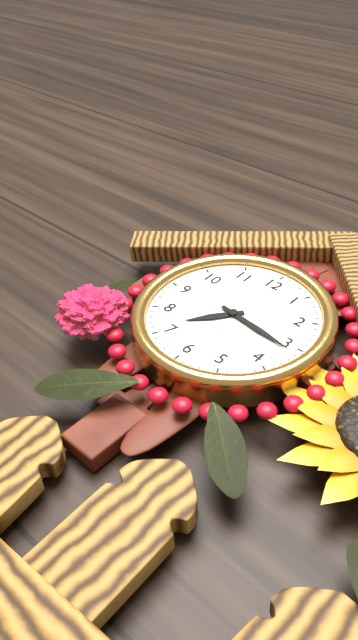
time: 7:16
